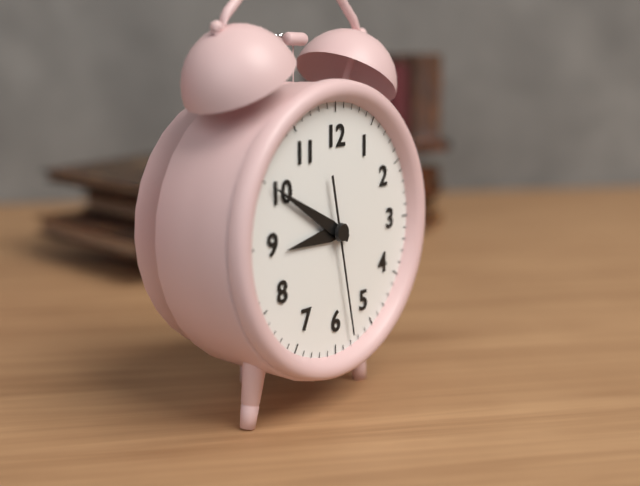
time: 8:50:28
